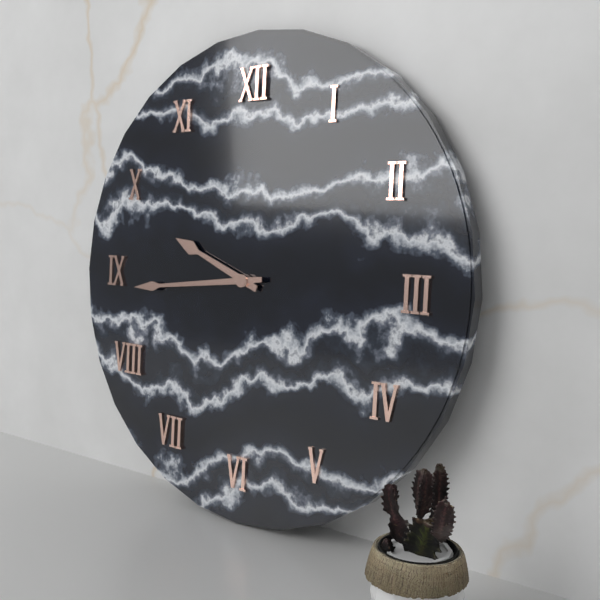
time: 9:44
